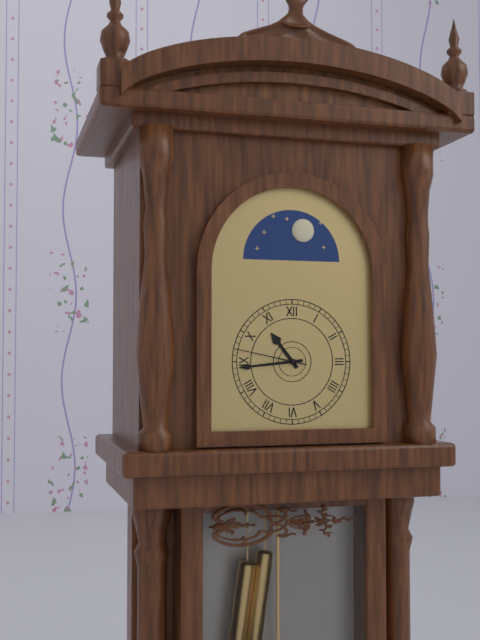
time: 10:44:47
